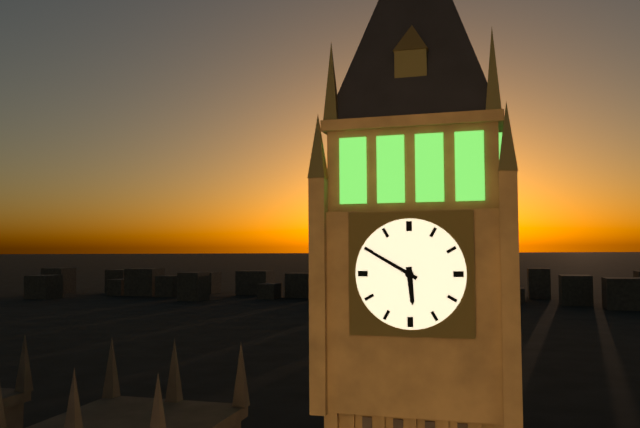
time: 5:50
